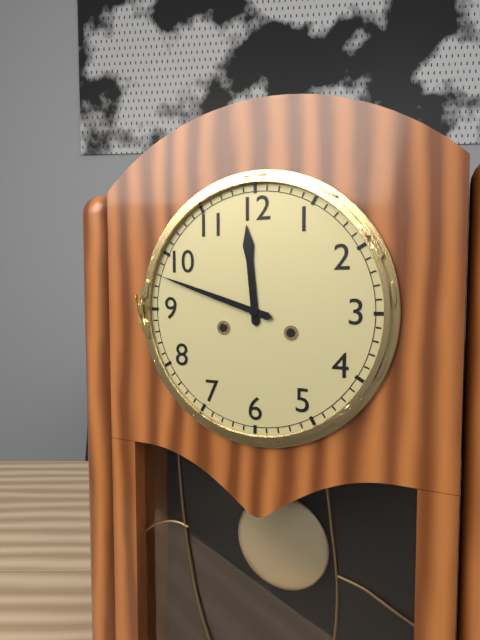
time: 11:48
